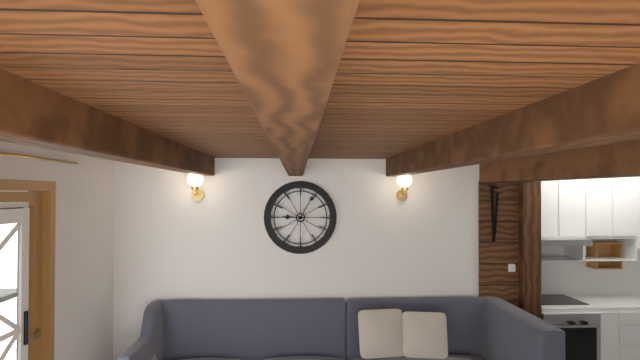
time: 9:05
